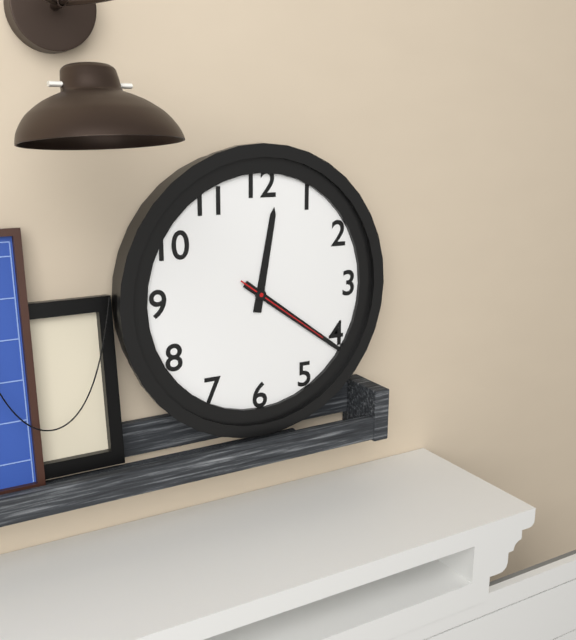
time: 12:21:21
